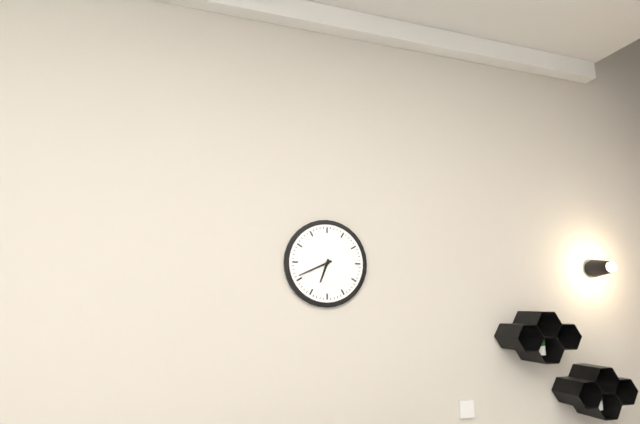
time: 6:41
